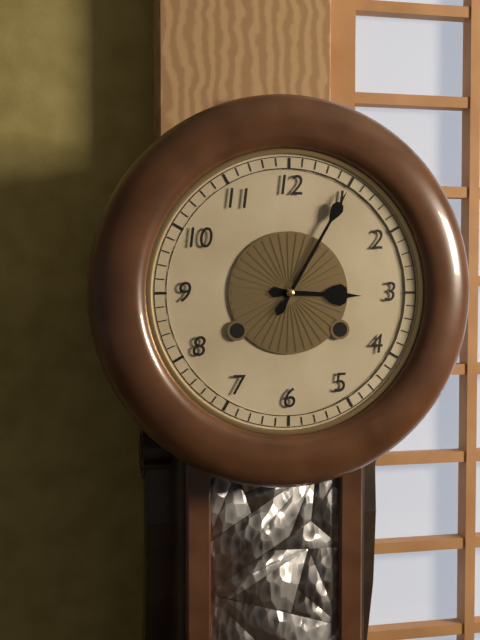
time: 3:05
